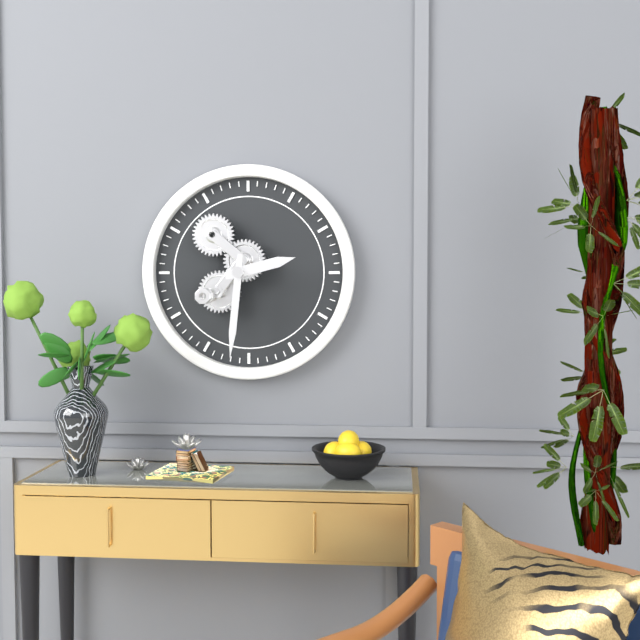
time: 2:31
